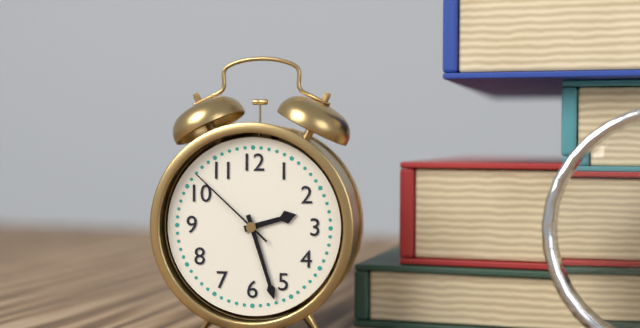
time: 2:27:52
